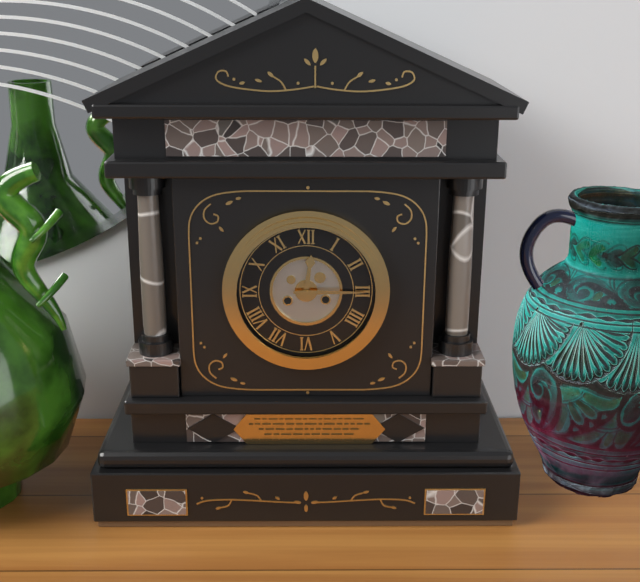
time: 12:15
